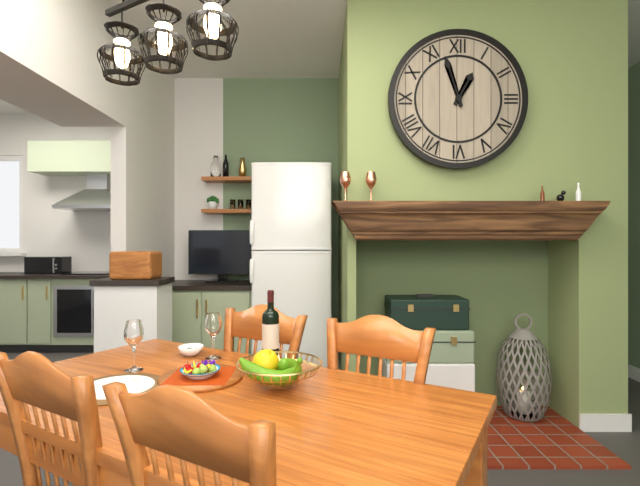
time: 12:57
